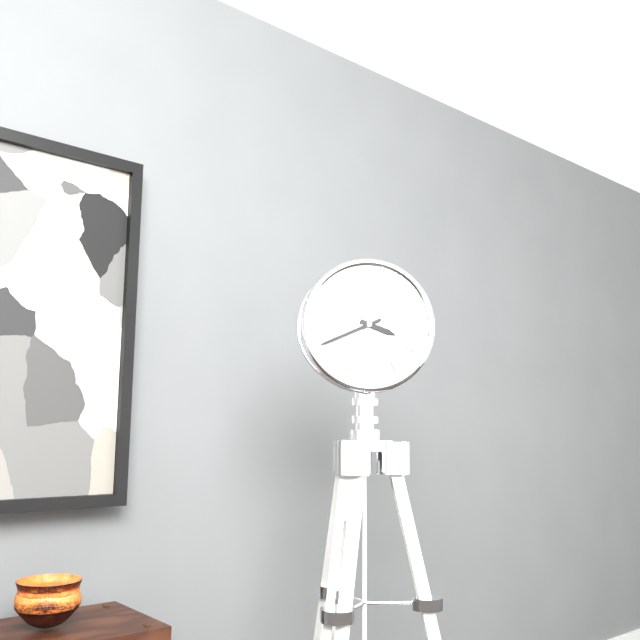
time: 3:41
